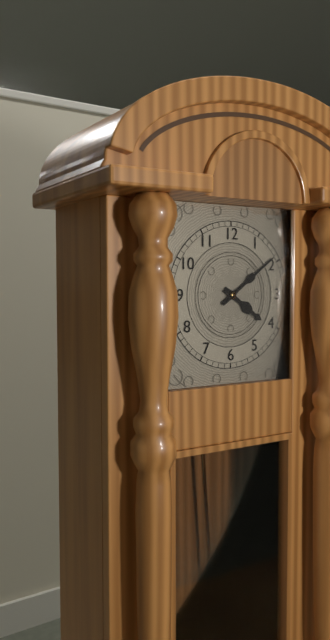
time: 4:09
